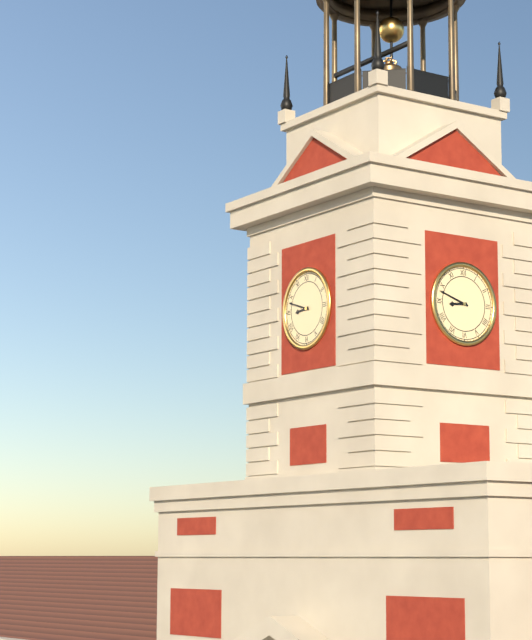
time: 8:48
